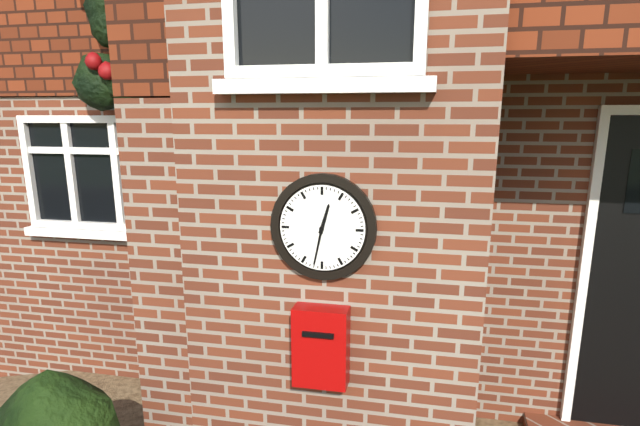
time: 12:32
